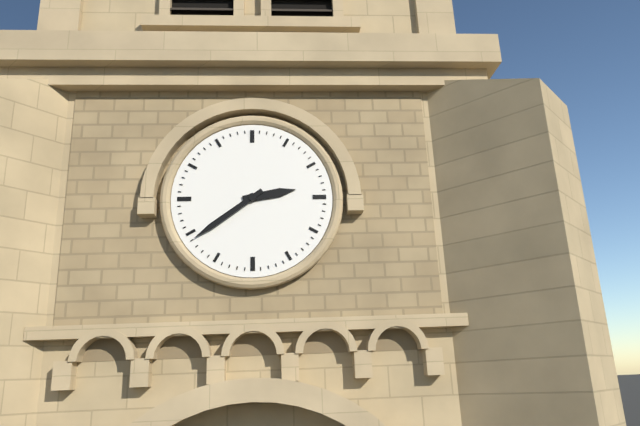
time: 2:39
